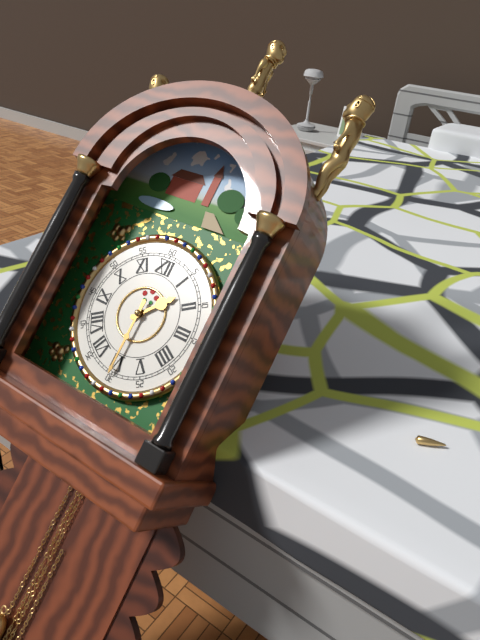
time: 1:30
